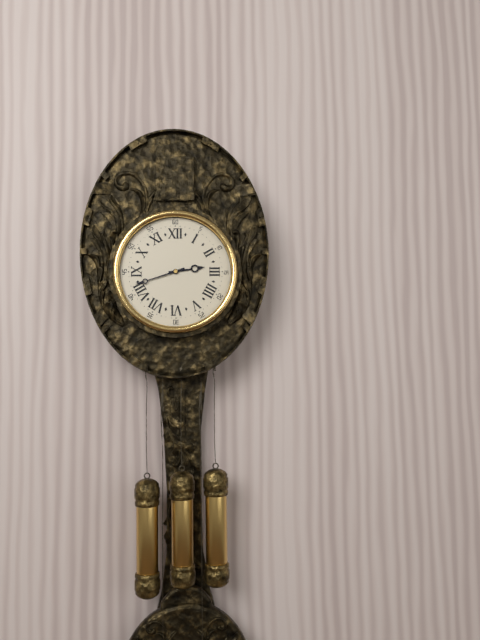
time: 2:42
